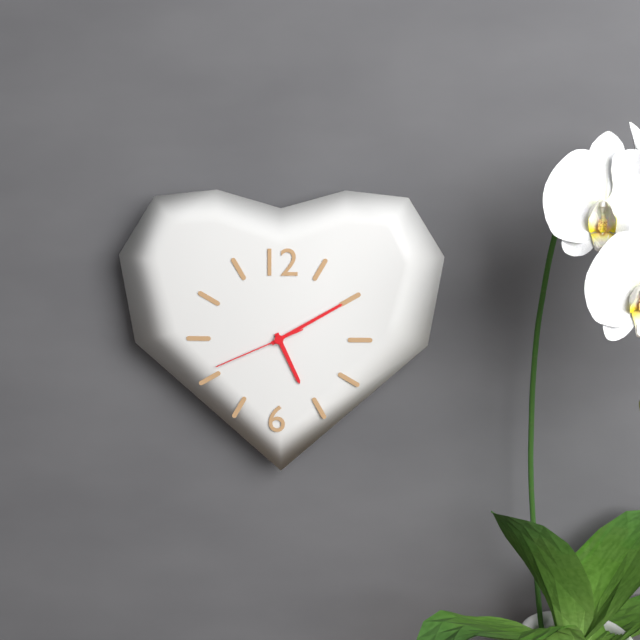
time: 5:10:41
